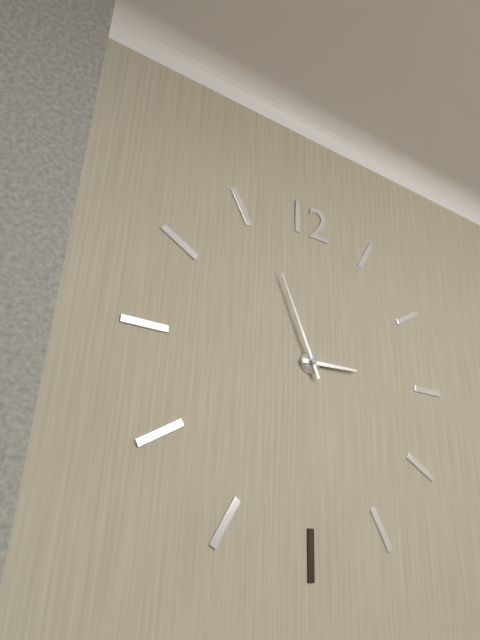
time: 2:56
